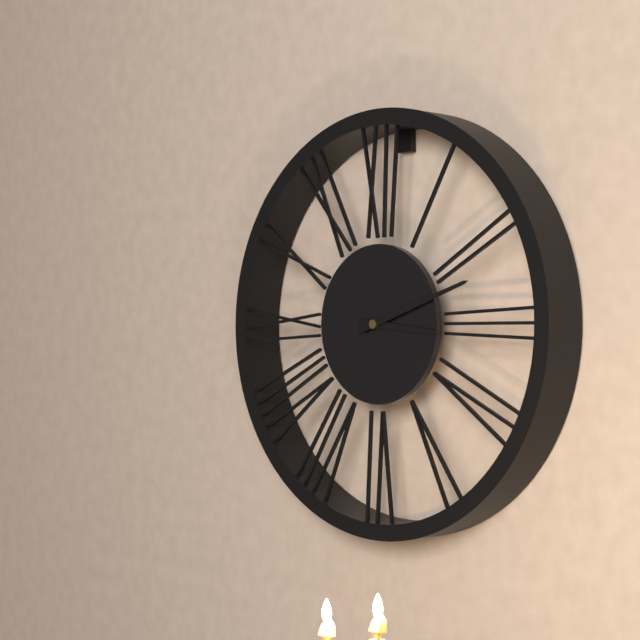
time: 3:12
